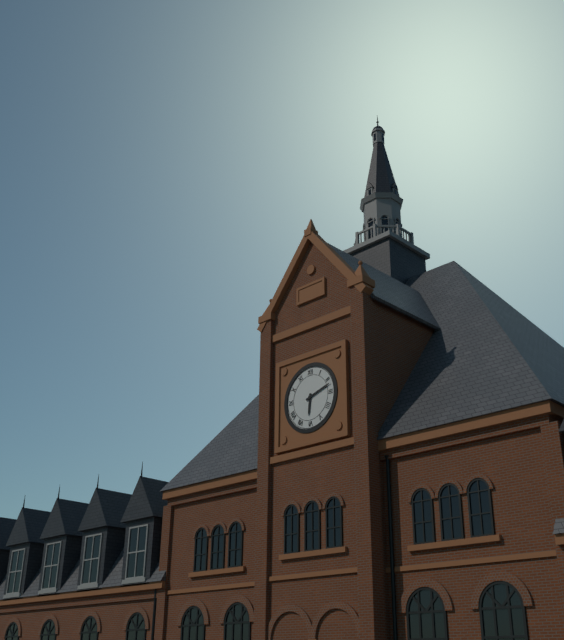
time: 6:12
